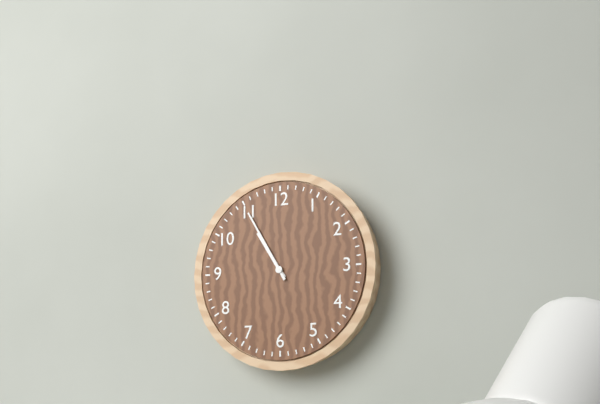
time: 10:55
